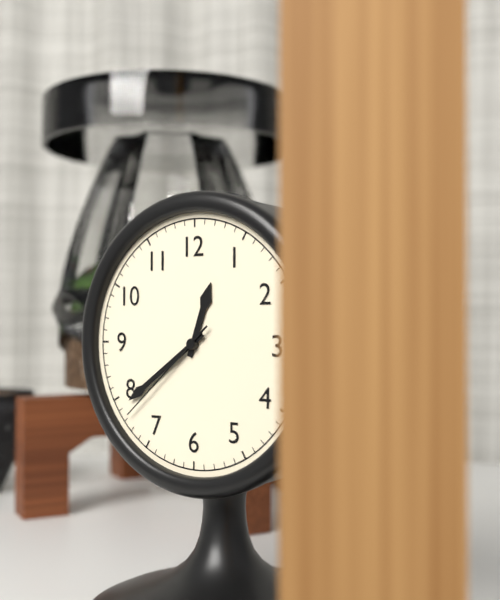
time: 12:39:38
